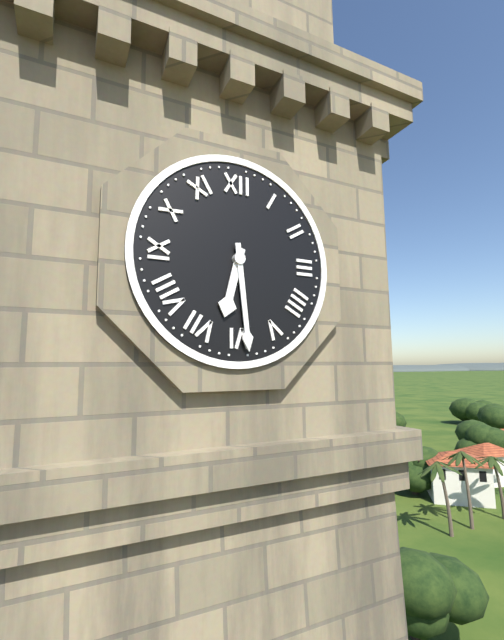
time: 6:29
